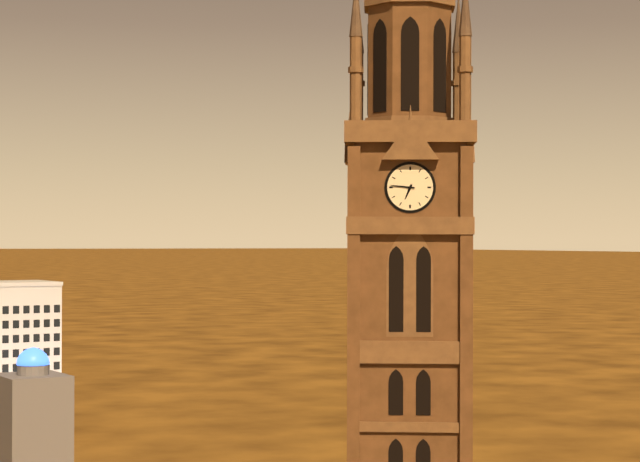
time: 6:46
